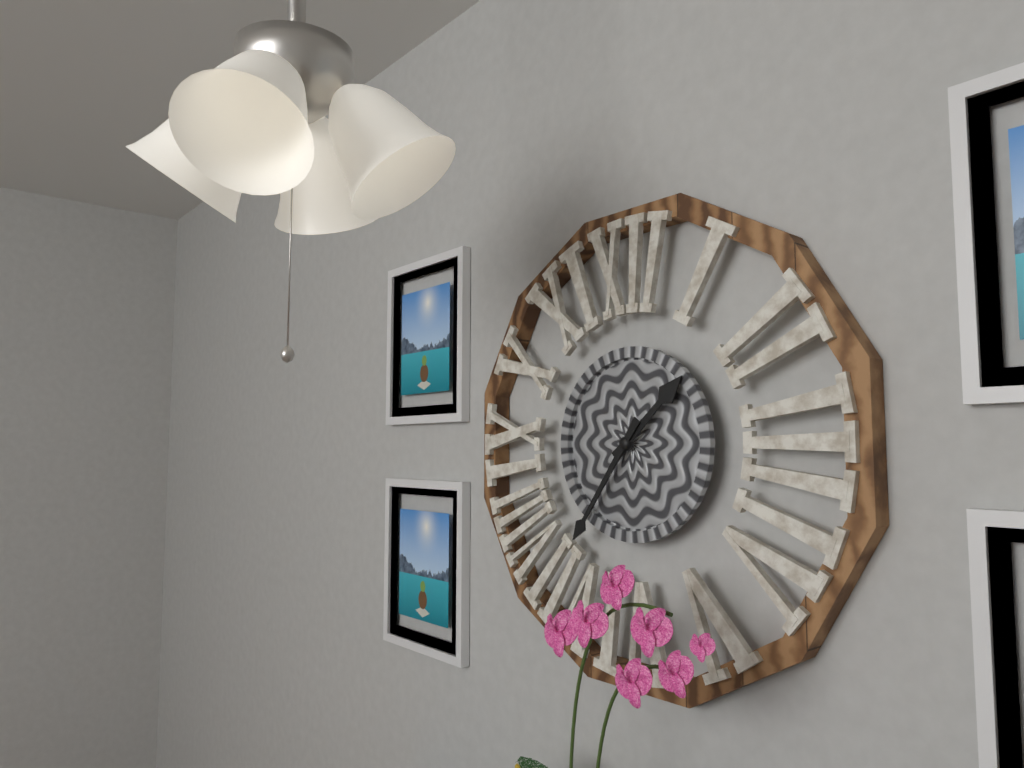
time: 1:36
